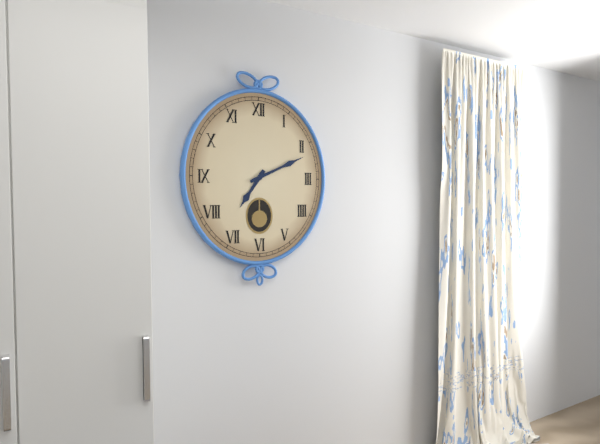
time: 7:11
